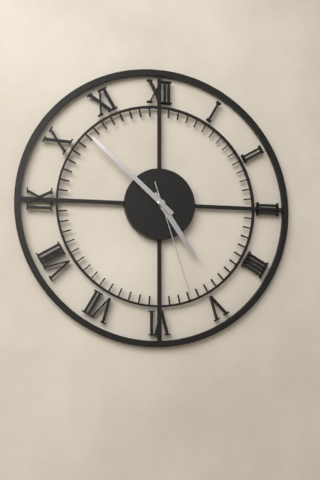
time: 4:52:27
